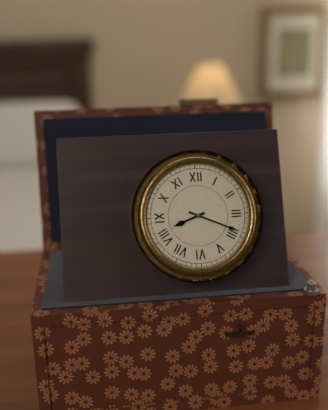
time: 8:19
